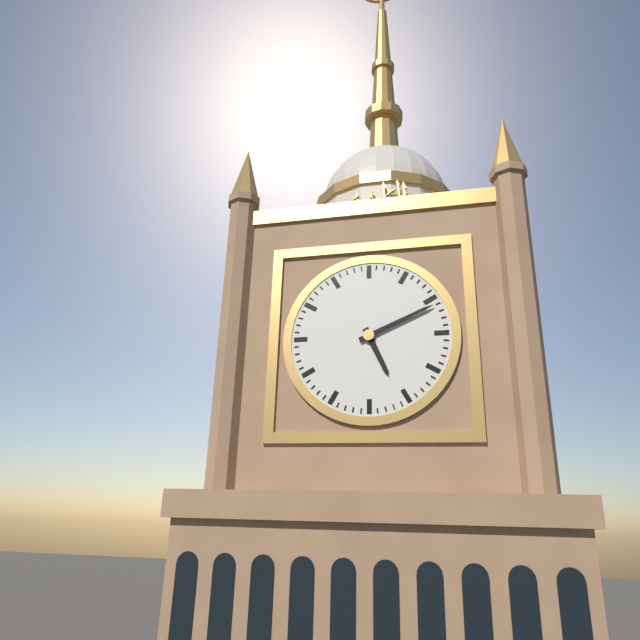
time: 5:11
